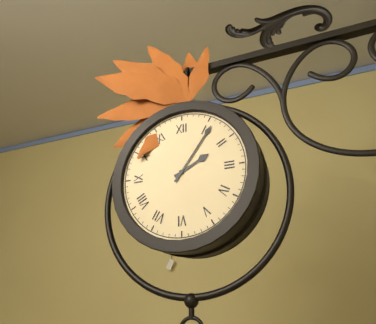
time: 2:06
